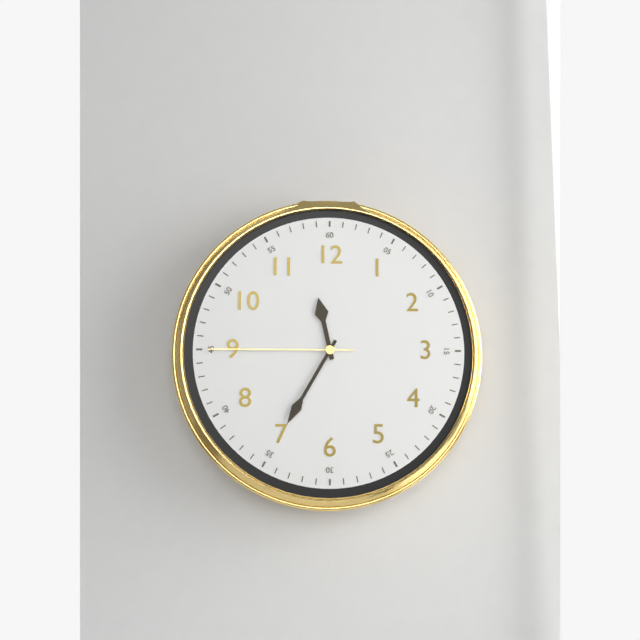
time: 11:35:45
